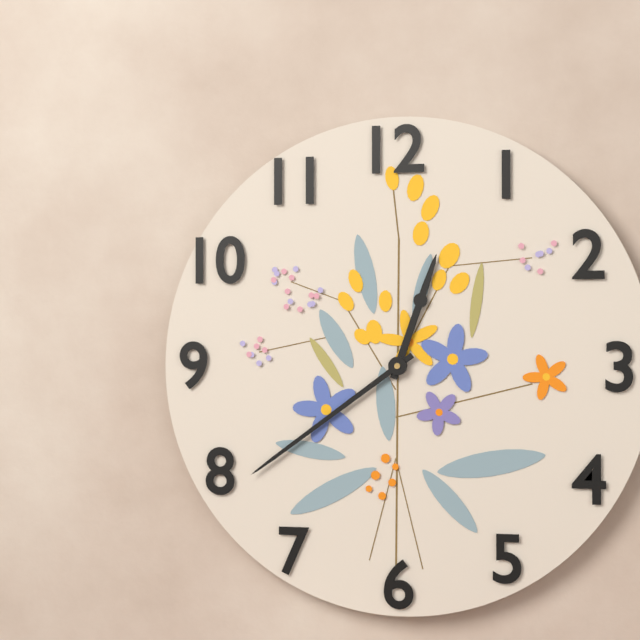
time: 12:39
